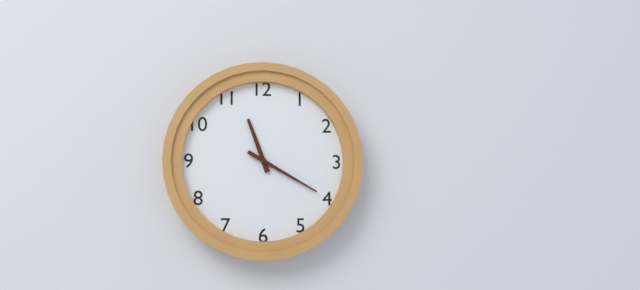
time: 11:20
